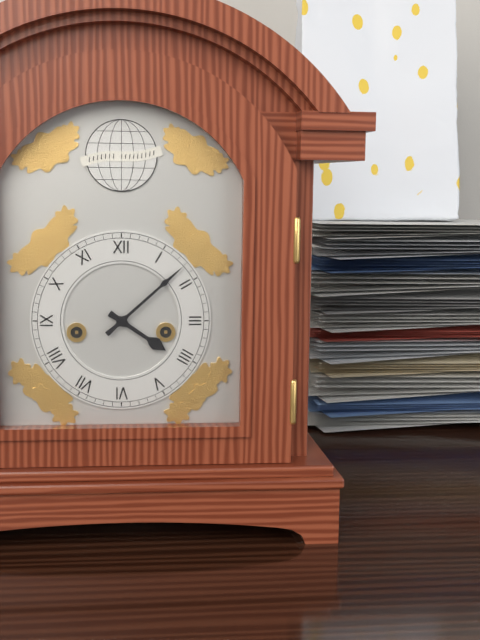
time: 4:08
